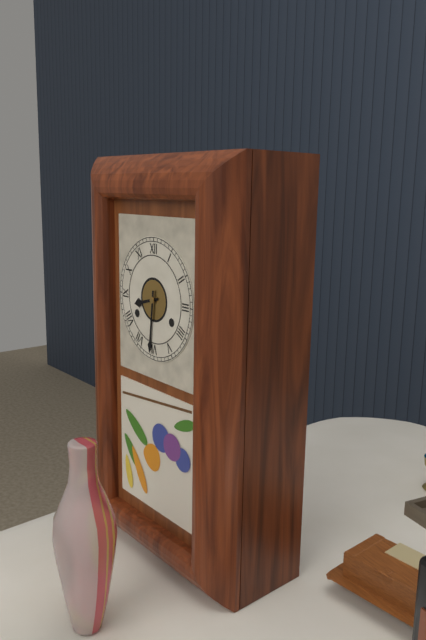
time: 8:31
